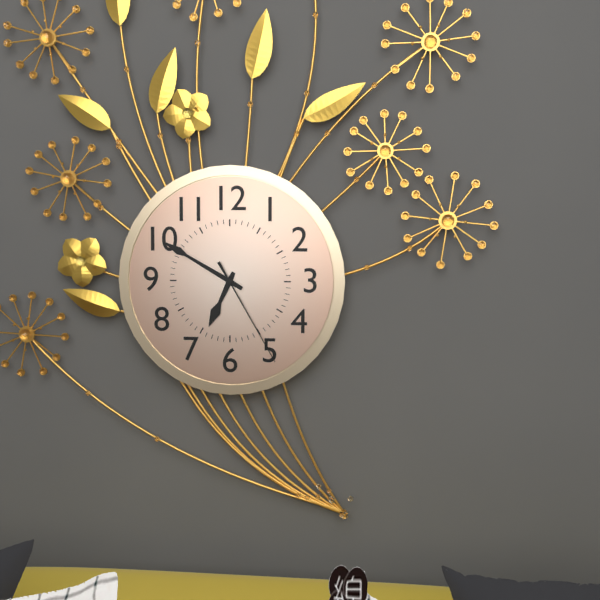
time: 6:50:25
